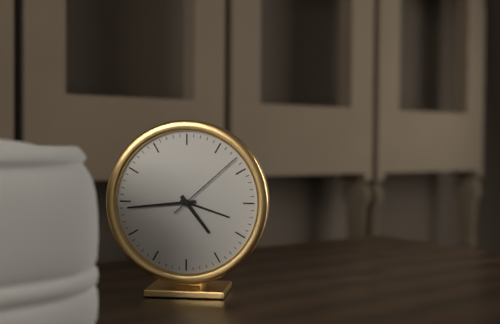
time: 4:44:08
